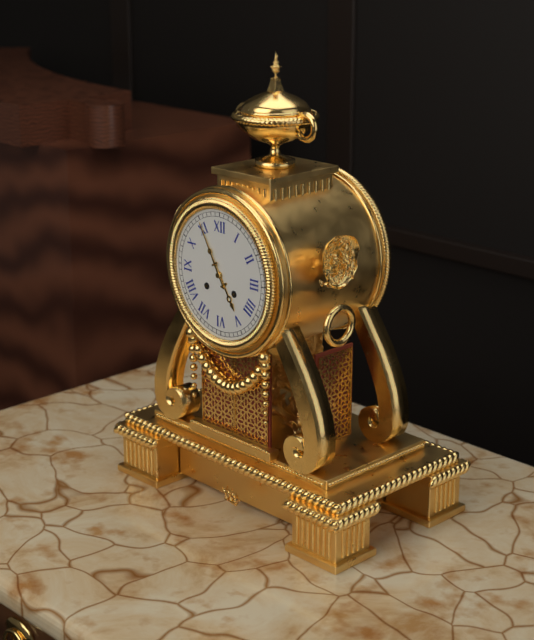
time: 4:55
